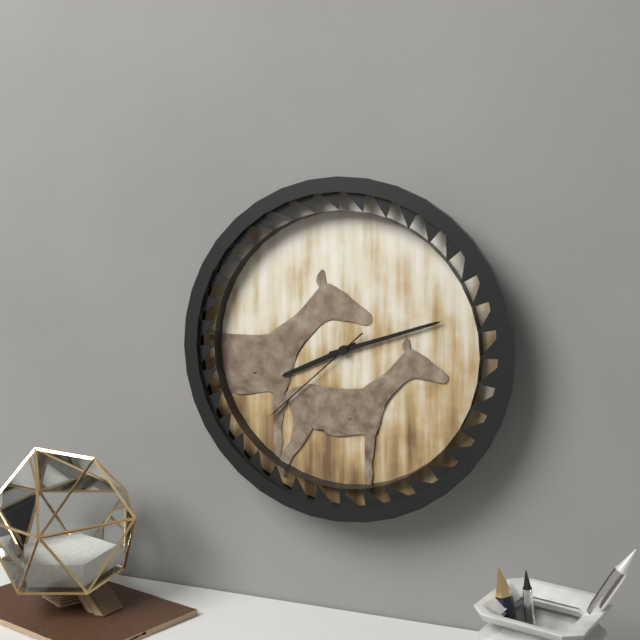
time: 8:12:38
